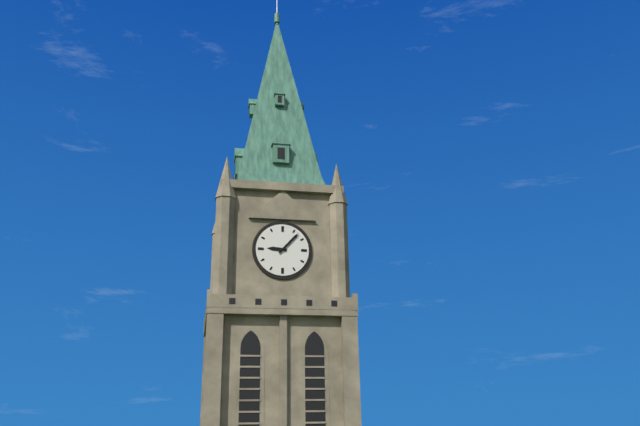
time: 9:07
